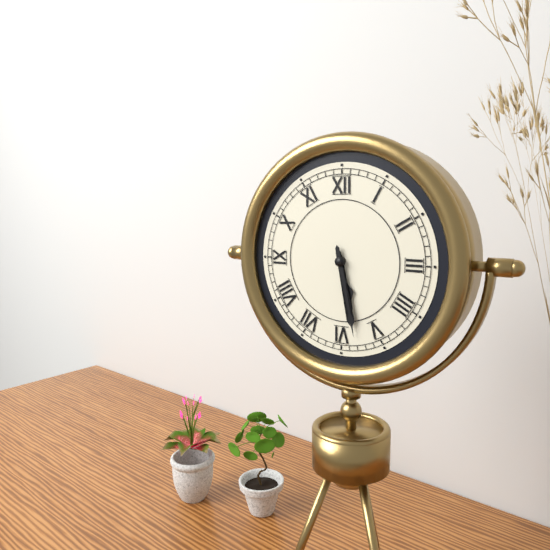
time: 5:28
